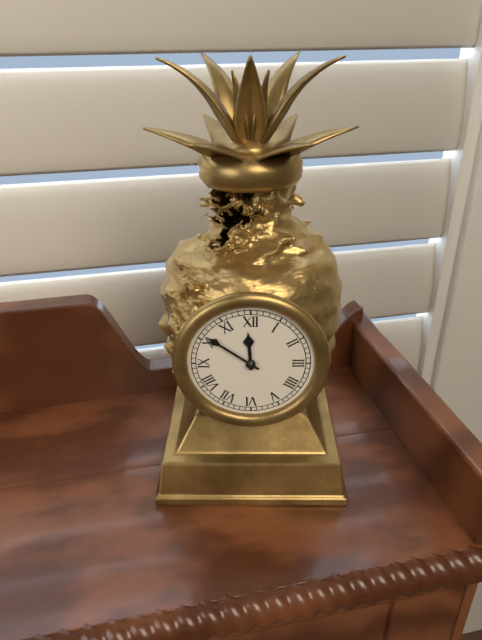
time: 11:51
